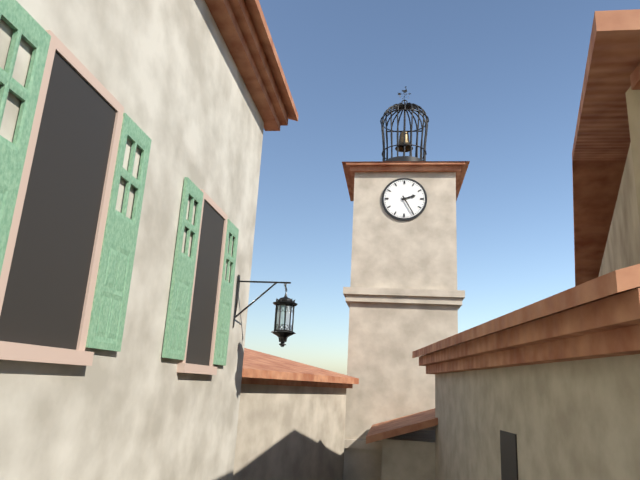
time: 2:25
